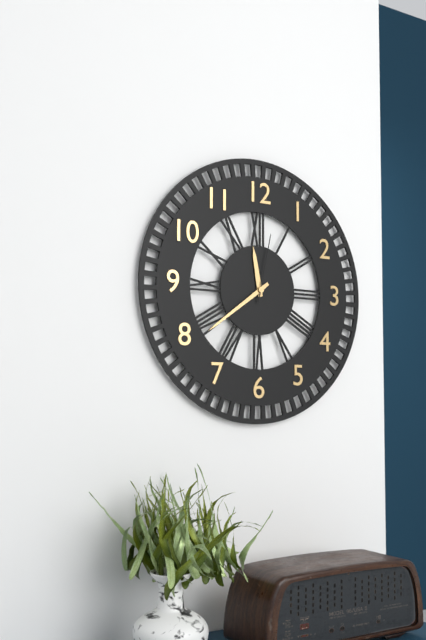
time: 11:39:02
